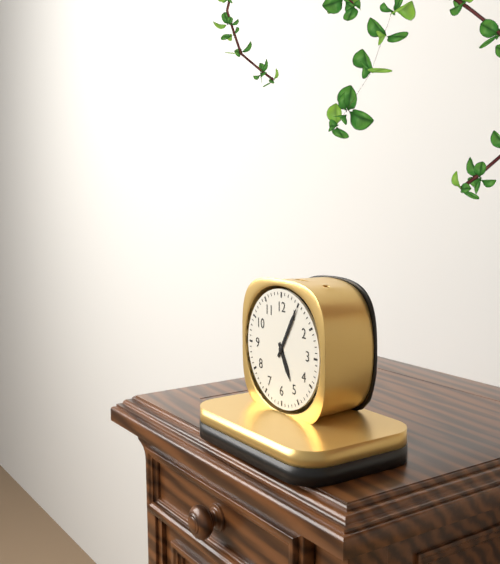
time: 5:05
